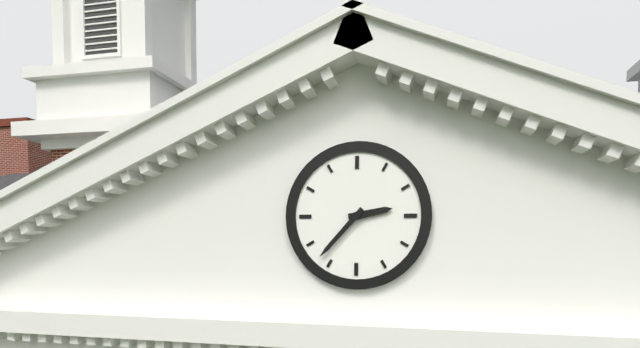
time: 2:37
